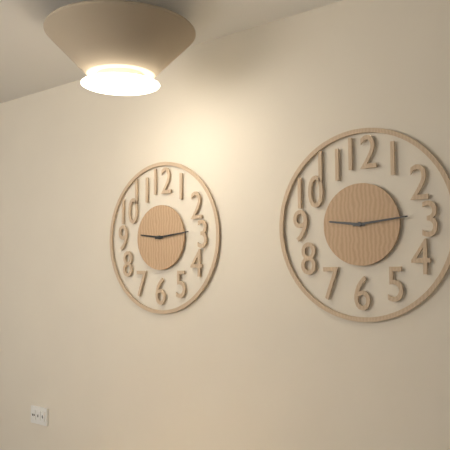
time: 9:14
